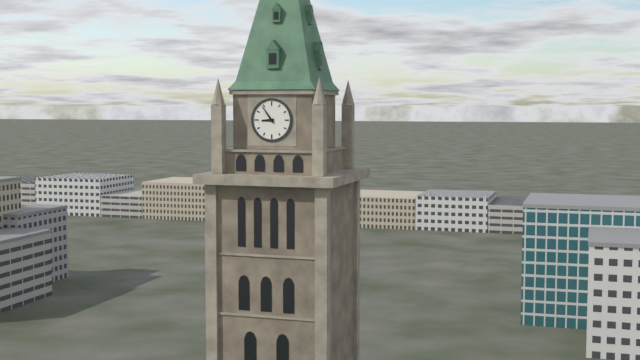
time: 8:54
